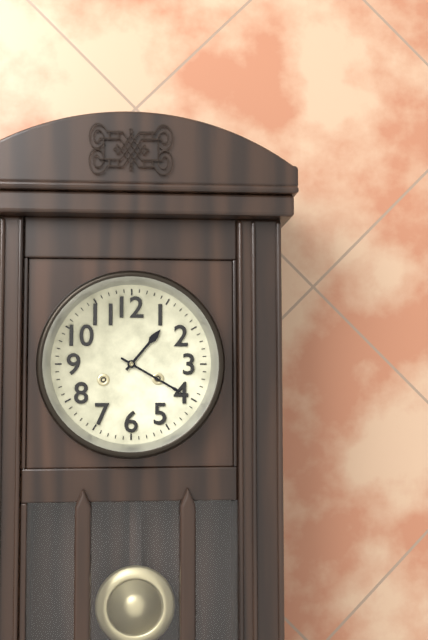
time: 1:20
